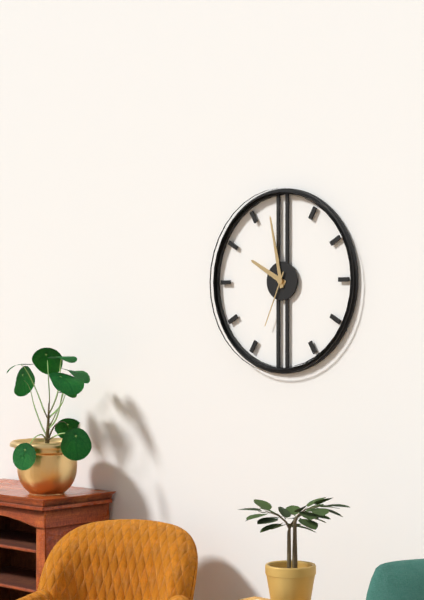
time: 9:58:34
